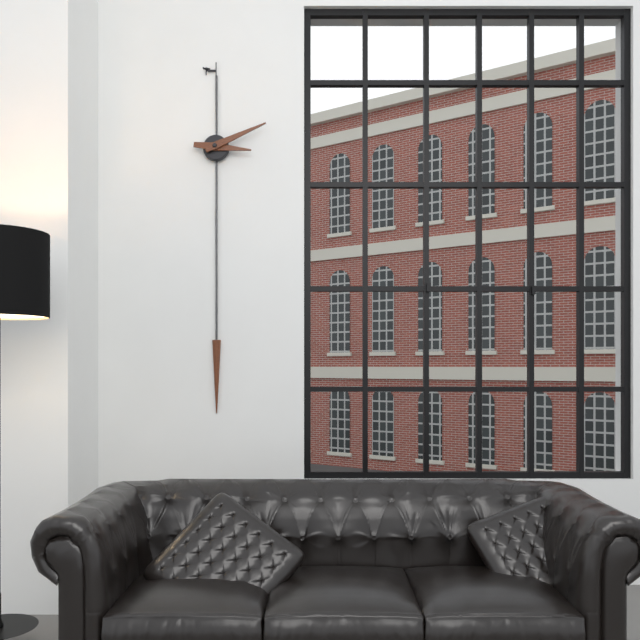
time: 3:11
